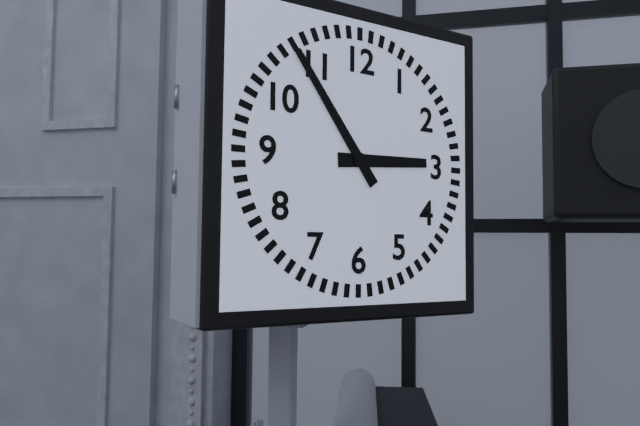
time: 2:54
